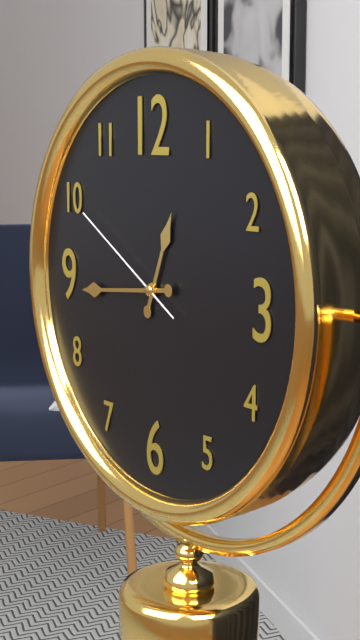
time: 12:44:50
